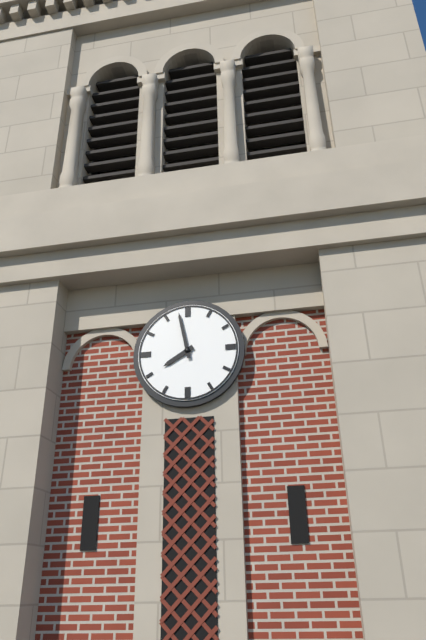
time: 7:58
